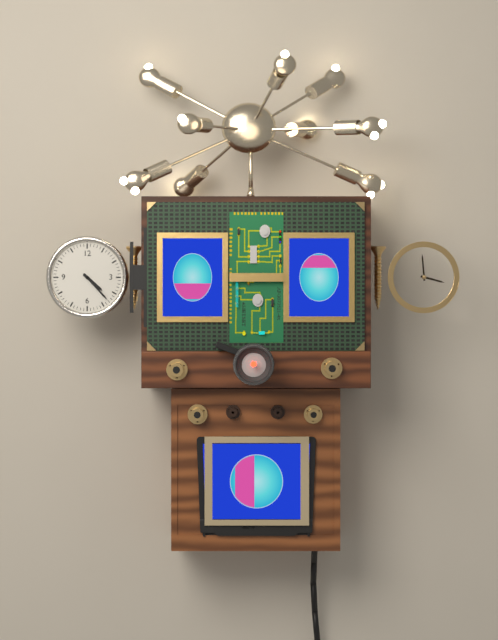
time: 4:23
